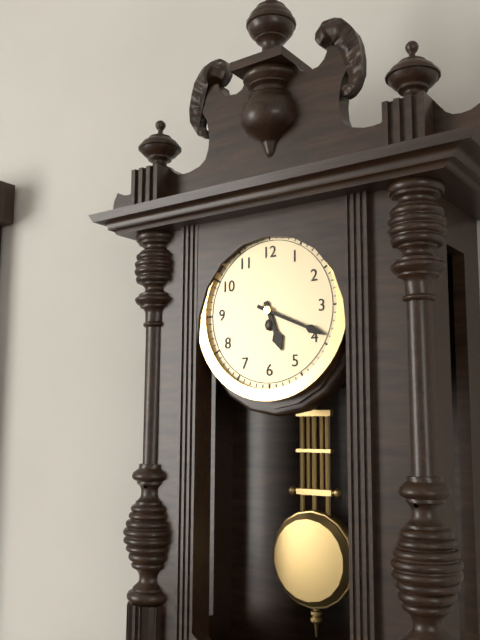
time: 5:19
